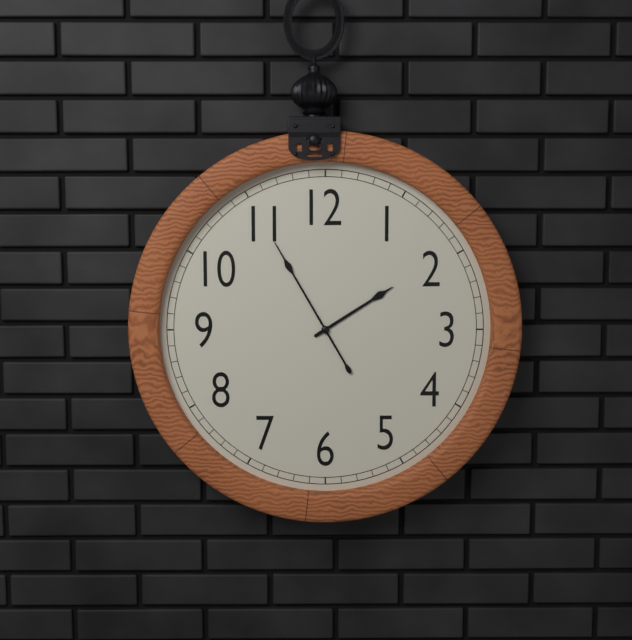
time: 1:55
